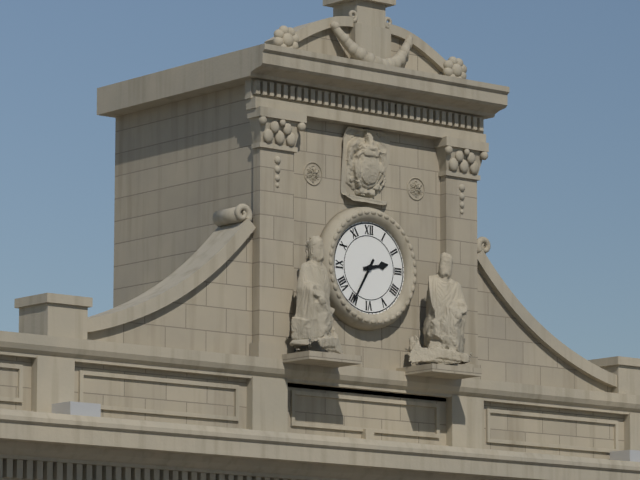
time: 2:35
